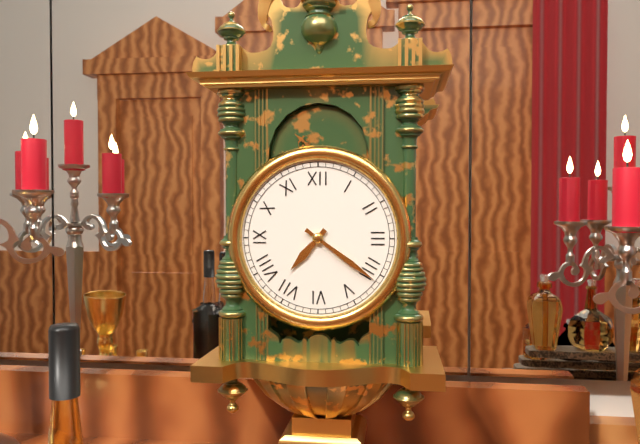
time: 7:21
